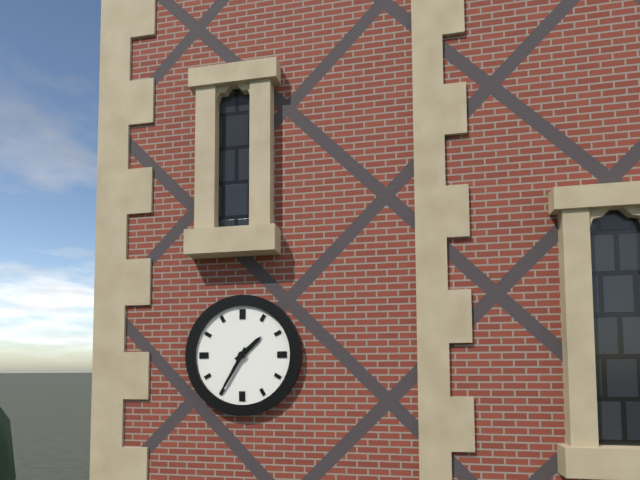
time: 1:35
